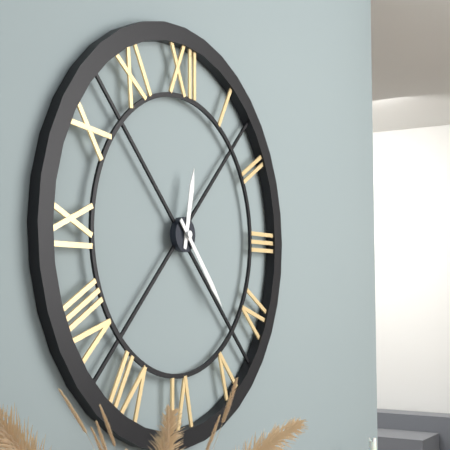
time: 12:23
